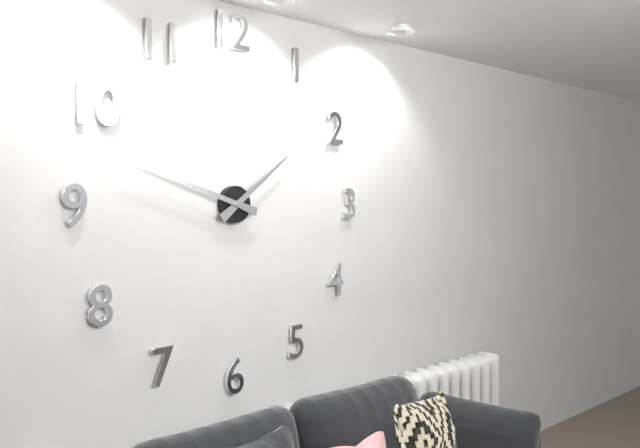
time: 1:48
